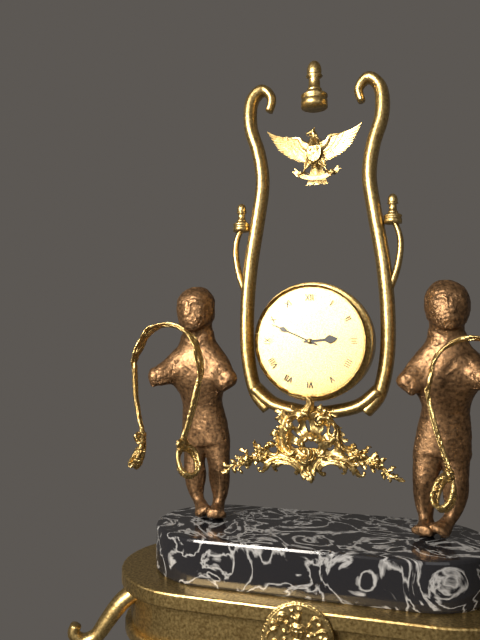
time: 2:49
